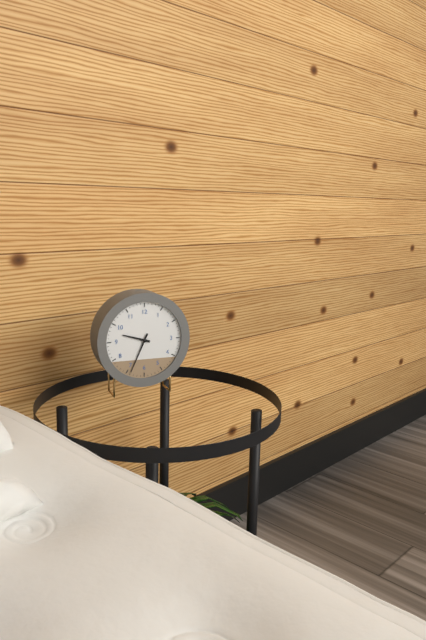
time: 9:34
